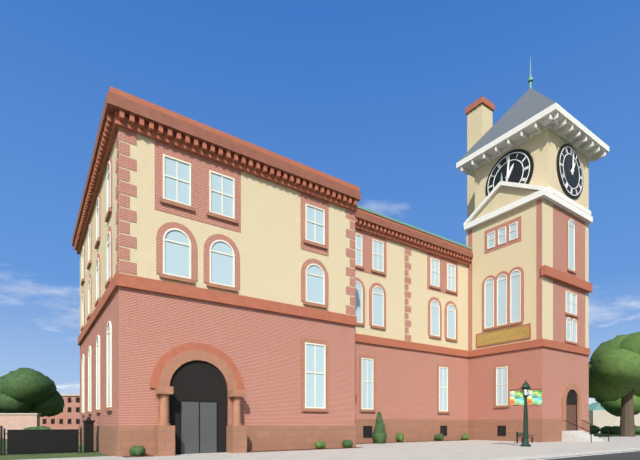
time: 1:01
